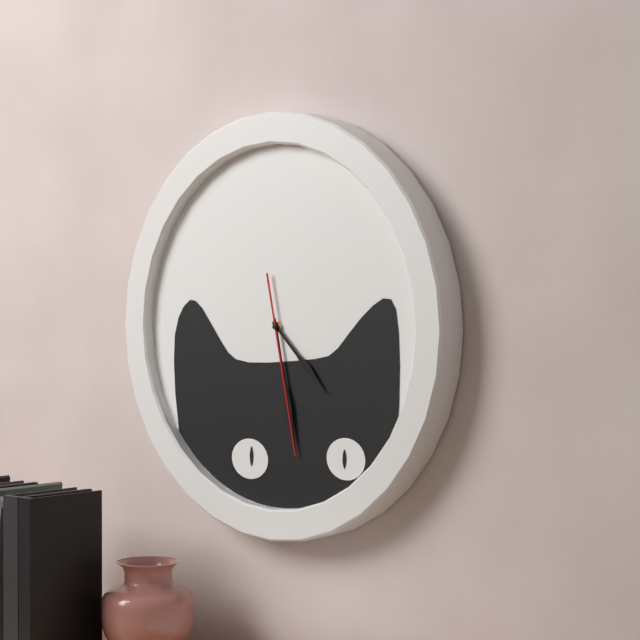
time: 4:28:28
